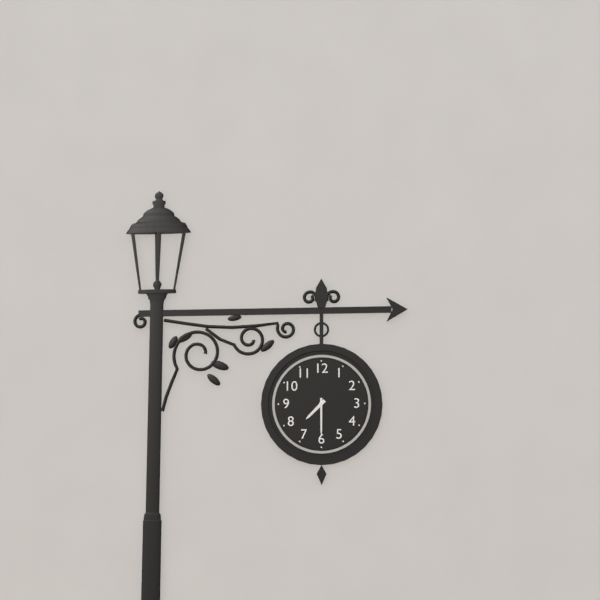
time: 7:30
